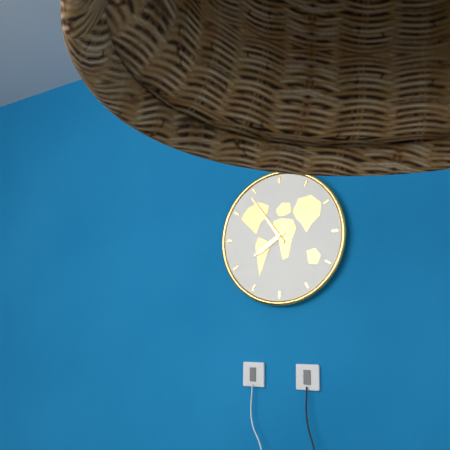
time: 7:54
